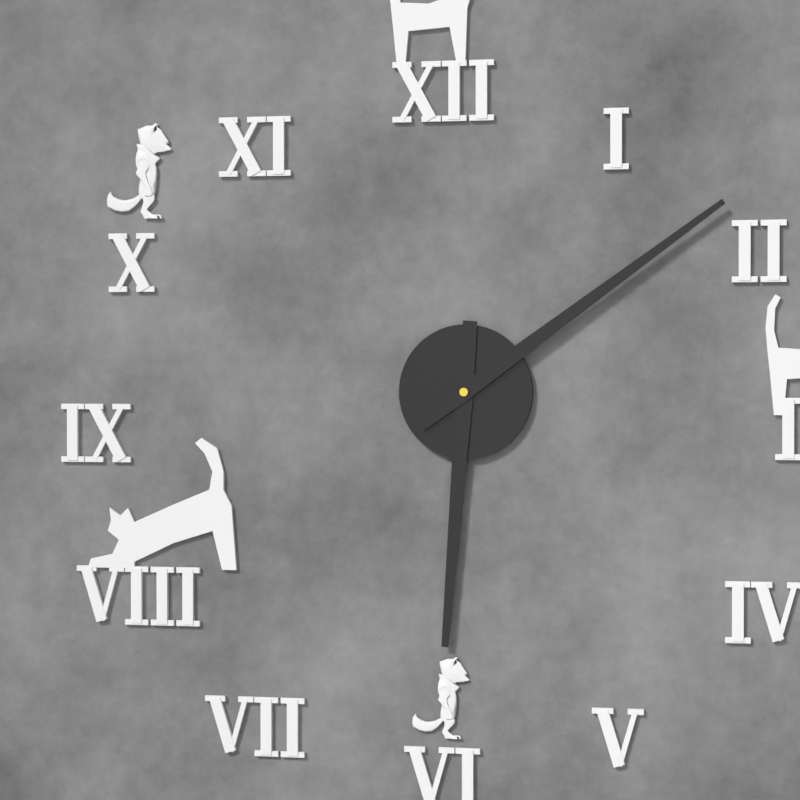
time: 6:09
